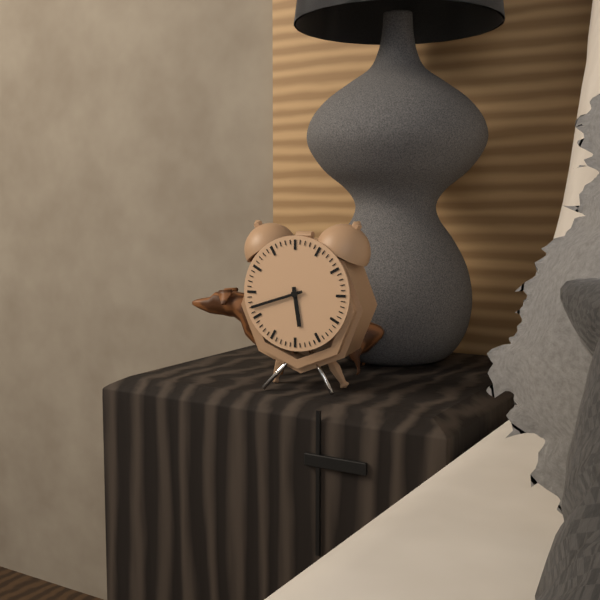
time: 5:42
